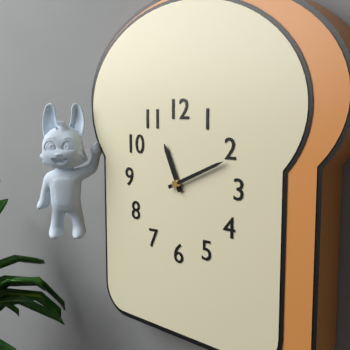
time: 11:11
